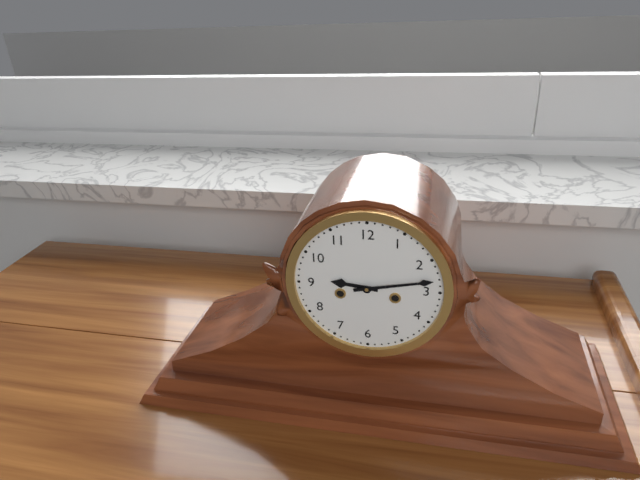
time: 9:13
